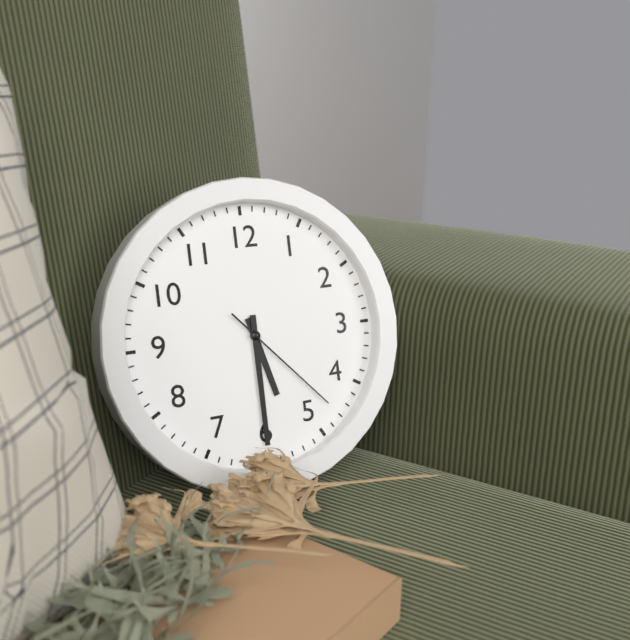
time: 5:30:23
